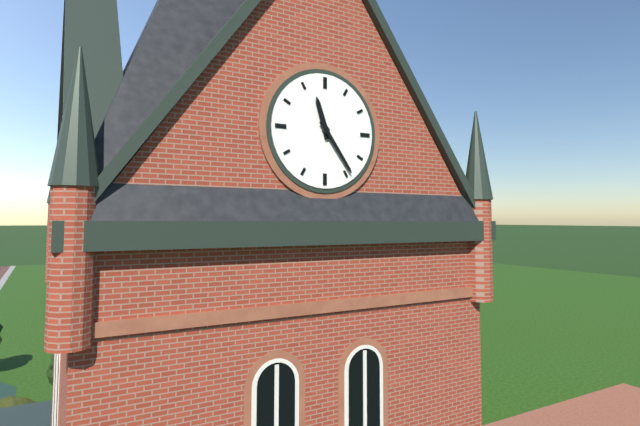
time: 11:24
